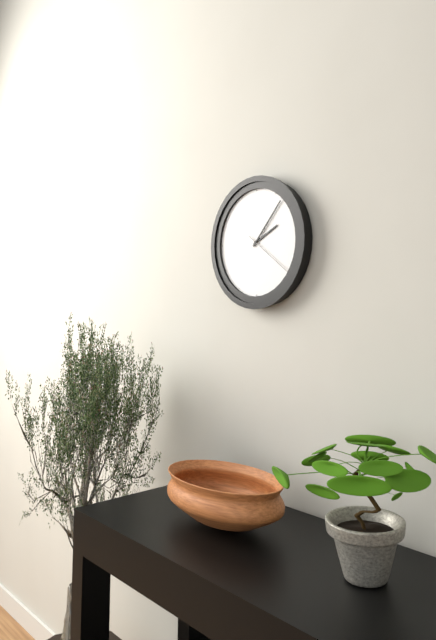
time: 2:07:21
